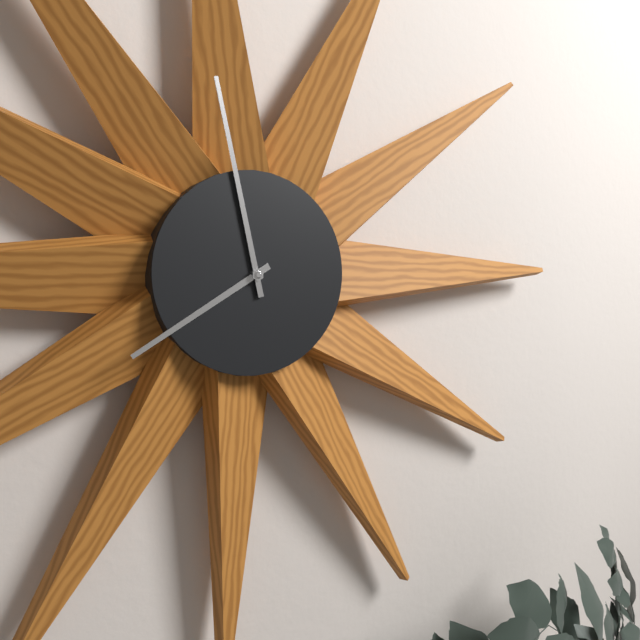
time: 7:58
